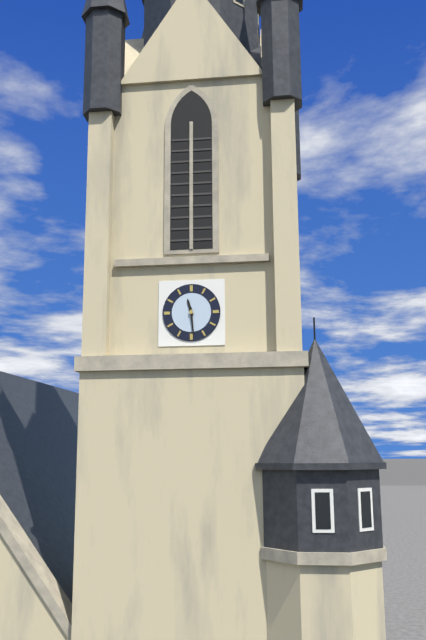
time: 11:29
